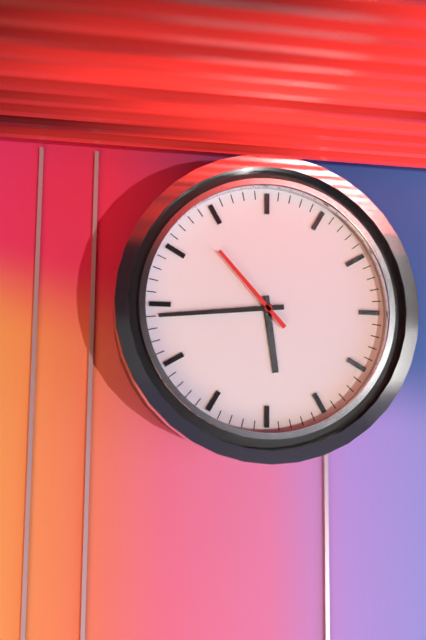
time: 5:44:53
